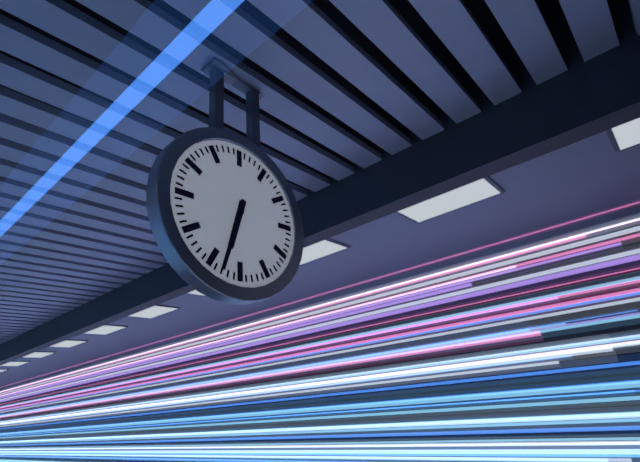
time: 6:33
